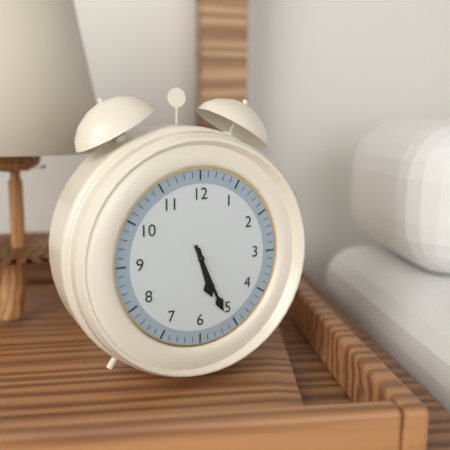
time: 5:26
